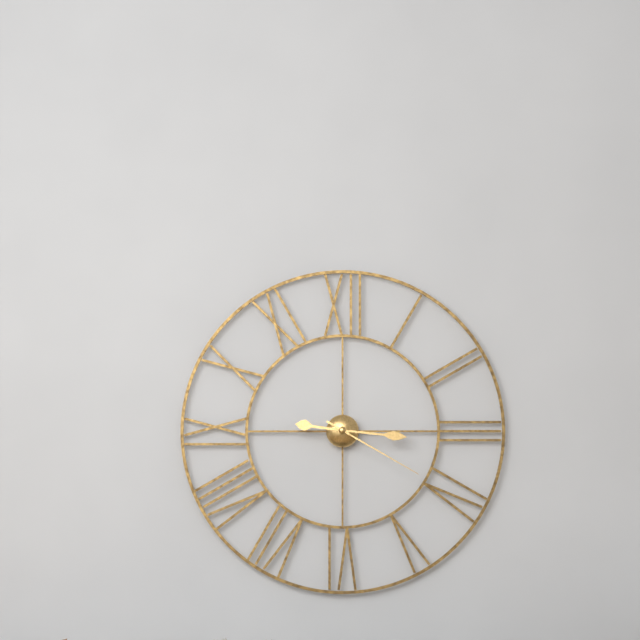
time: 9:16:20
